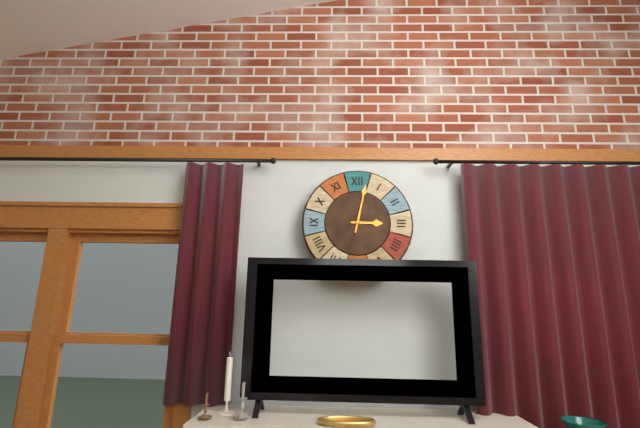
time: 3:02
